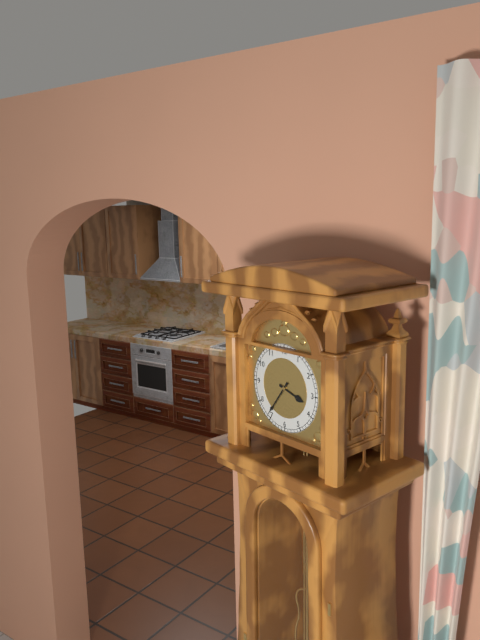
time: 3:36
